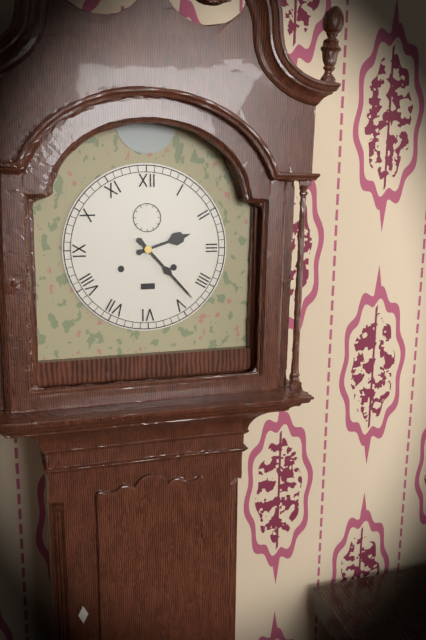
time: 2:23
